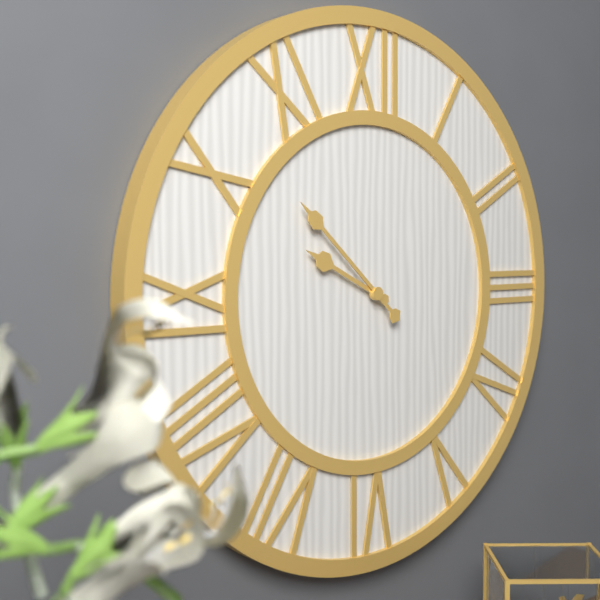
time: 9:52
